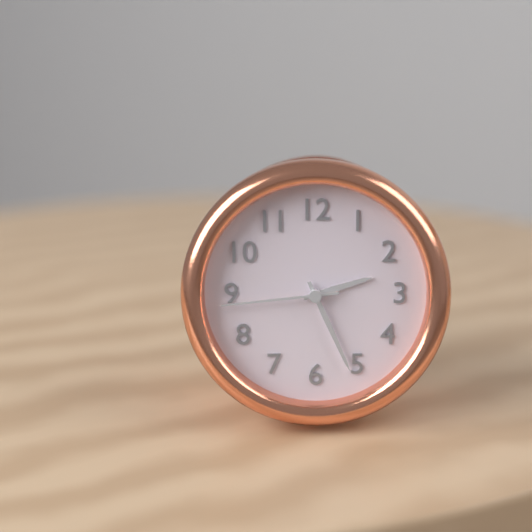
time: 2:26:44
